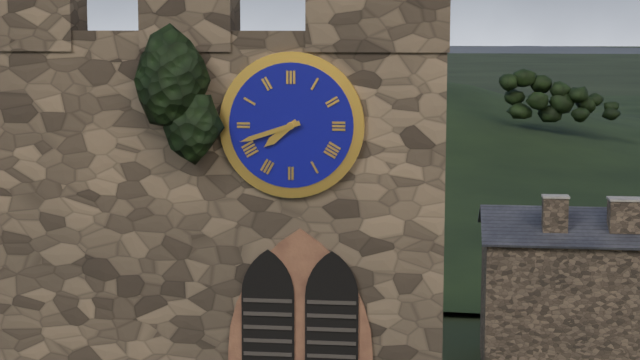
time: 7:42
